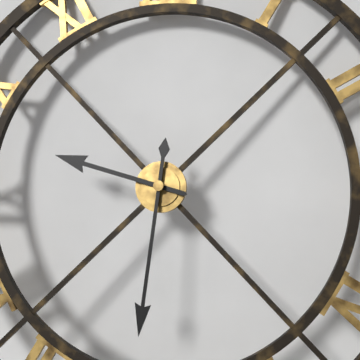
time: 9:31
